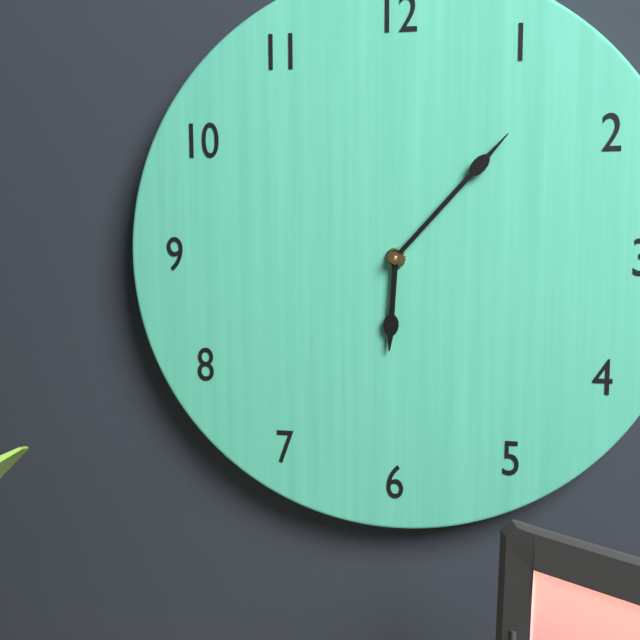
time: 6:07
